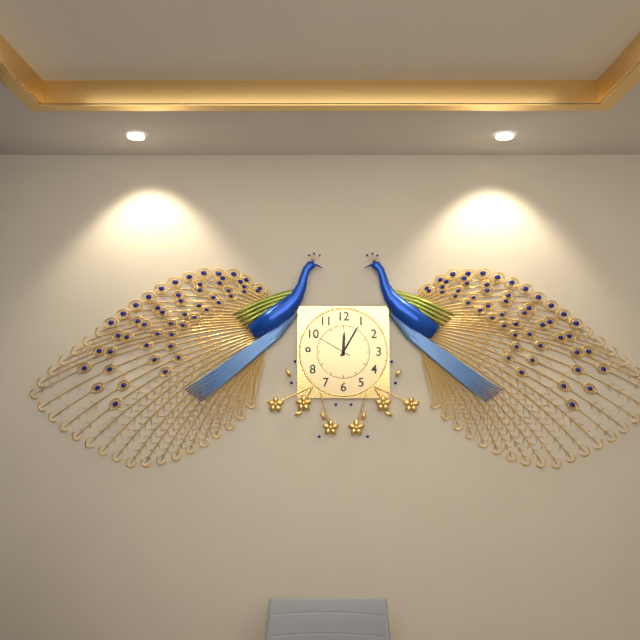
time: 12:05
